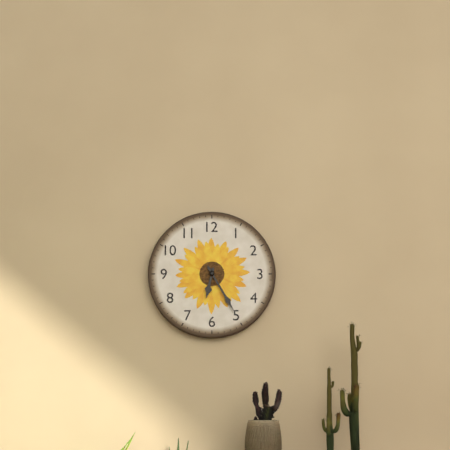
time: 6:25
